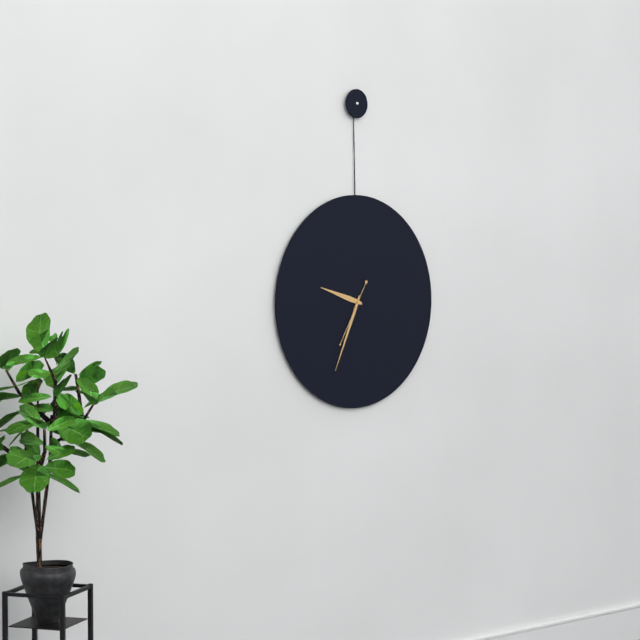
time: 9:34:35
